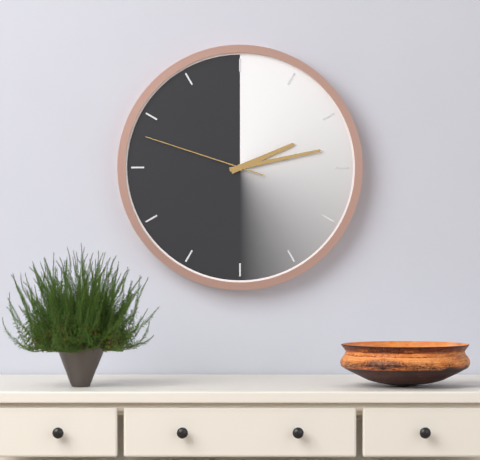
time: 2:13:48
